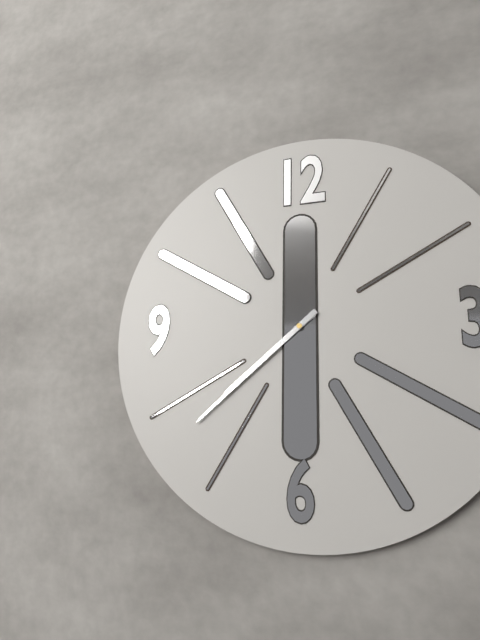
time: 7:38
